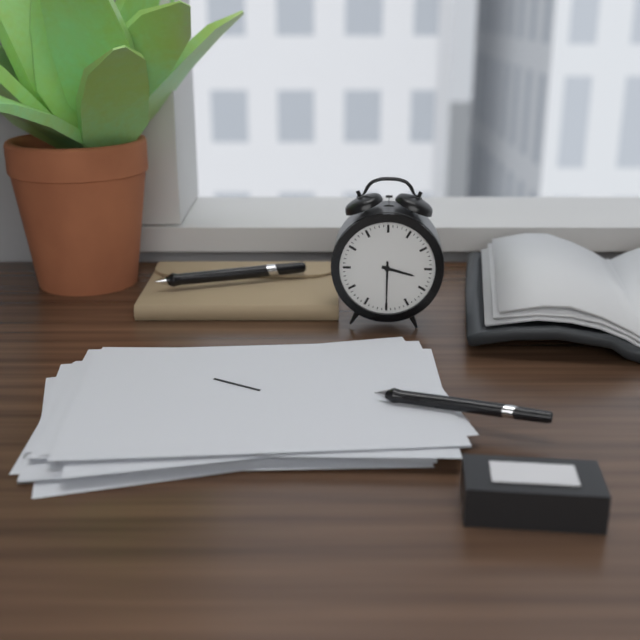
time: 3:30
